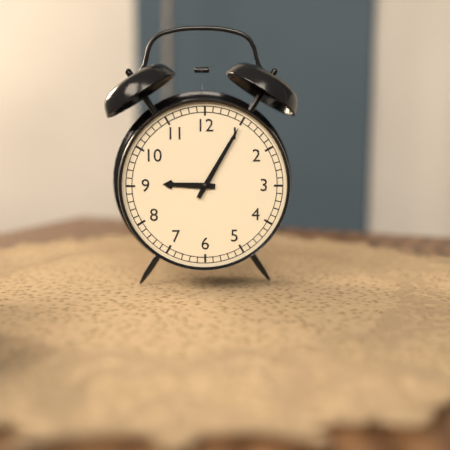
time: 9:05
